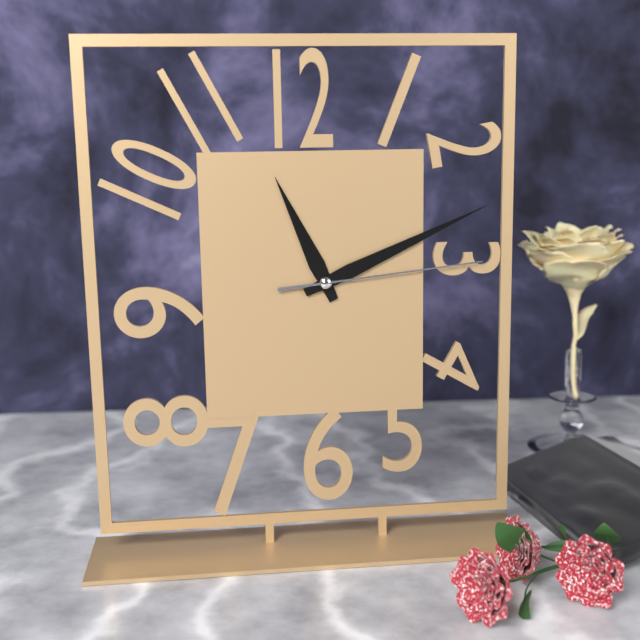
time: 11:11:14
